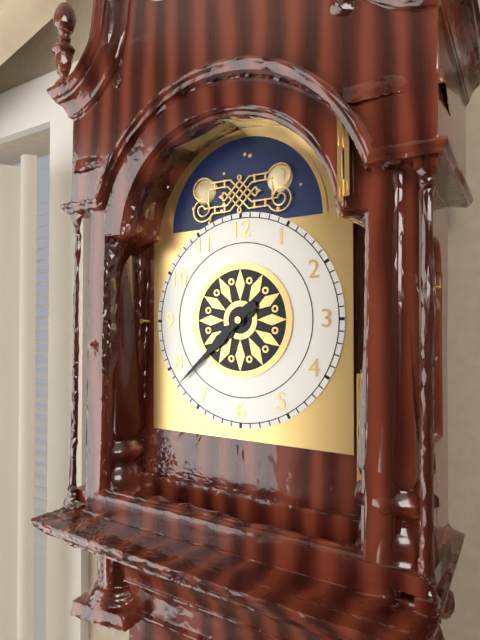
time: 7:38
